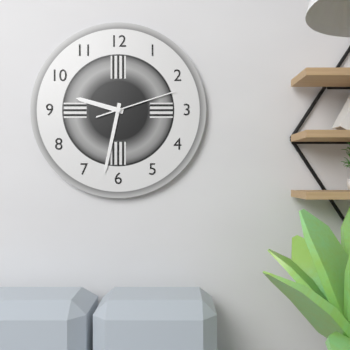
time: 9:32:12
